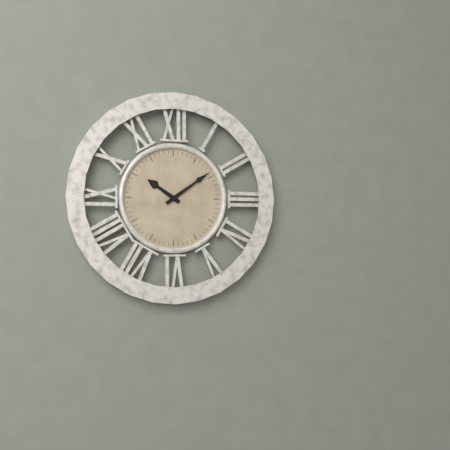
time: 10:09
